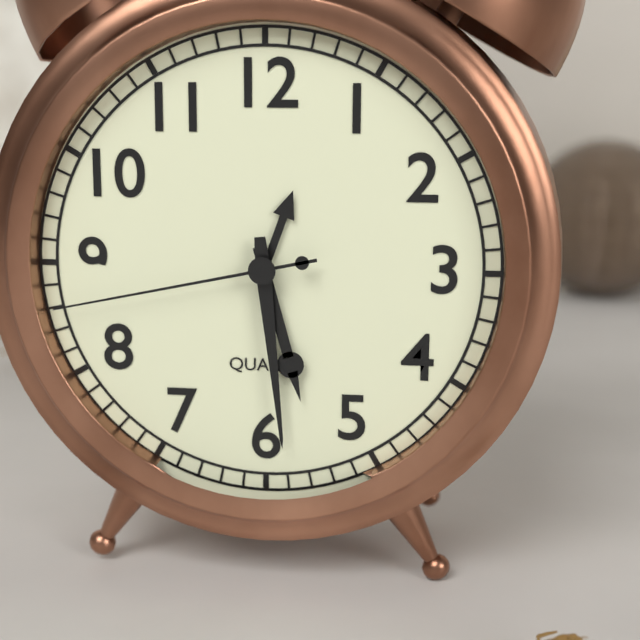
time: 5:29:43
